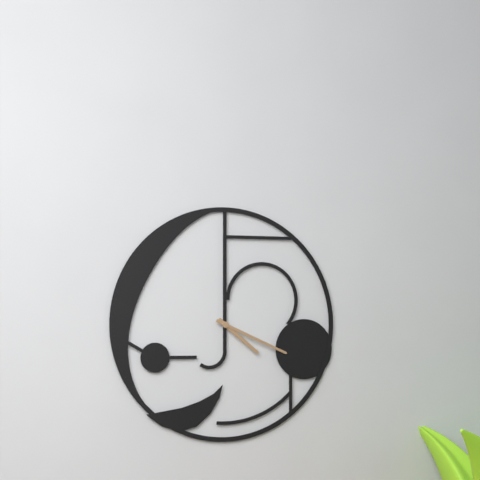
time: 4:19
